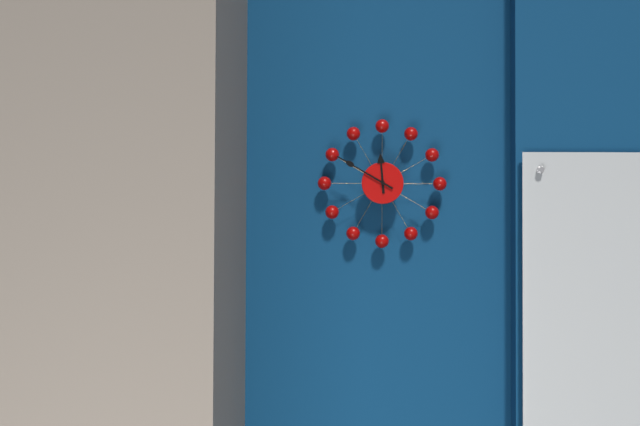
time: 11:50
